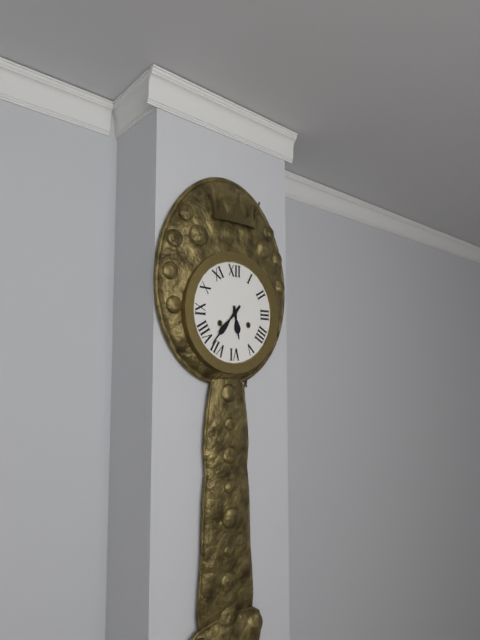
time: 5:37
